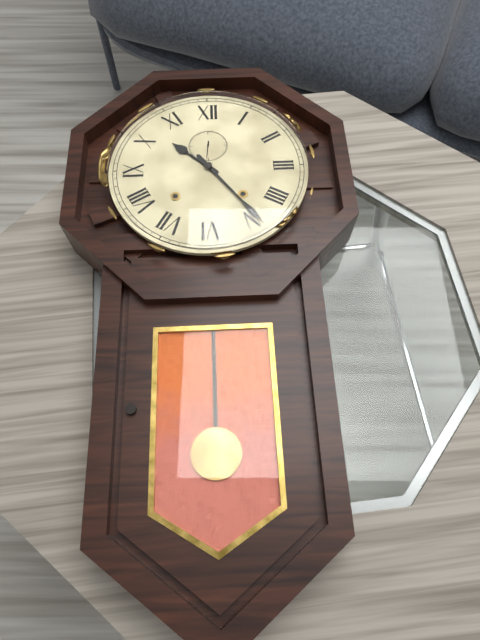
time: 10:24
